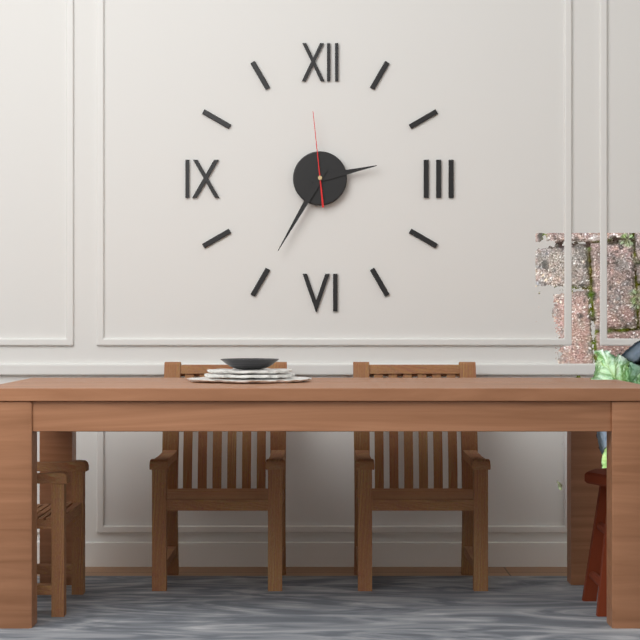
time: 2:35:59
